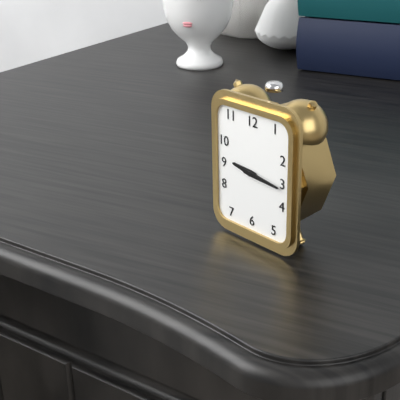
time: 9:16
